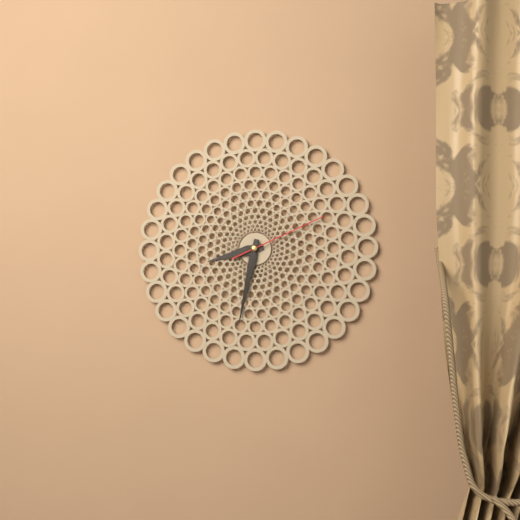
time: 8:32:11
